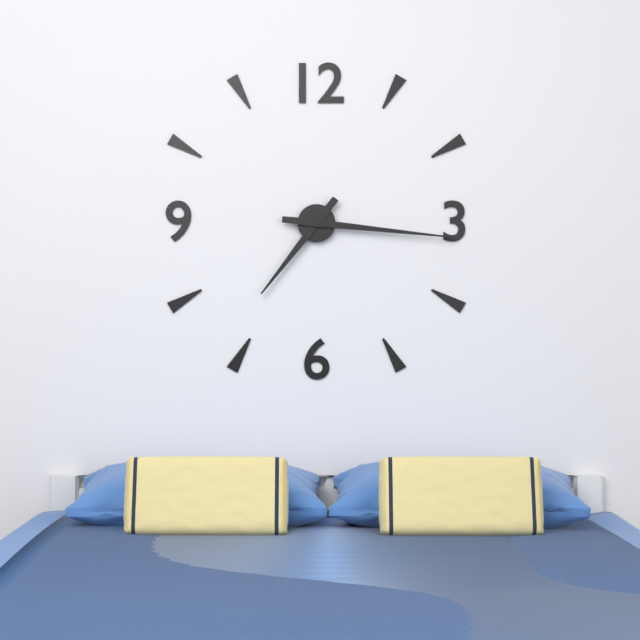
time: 7:16
